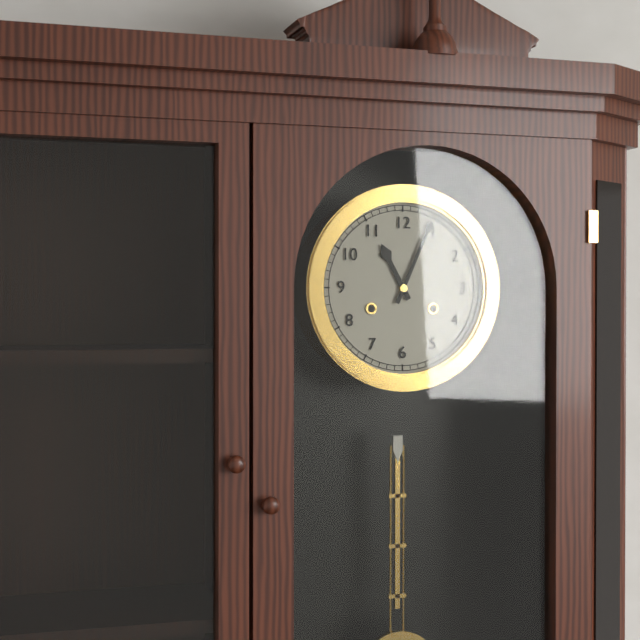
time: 11:04
